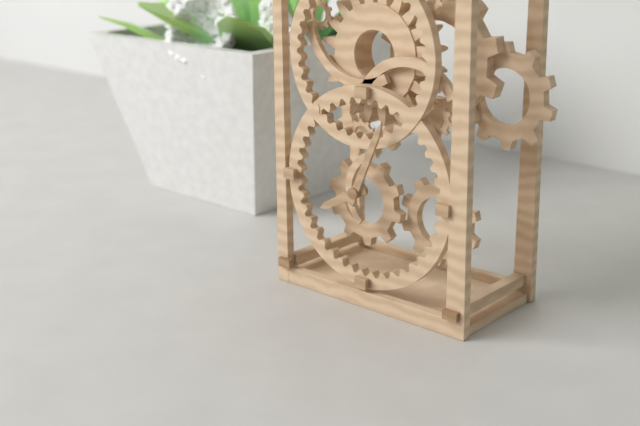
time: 8:04
